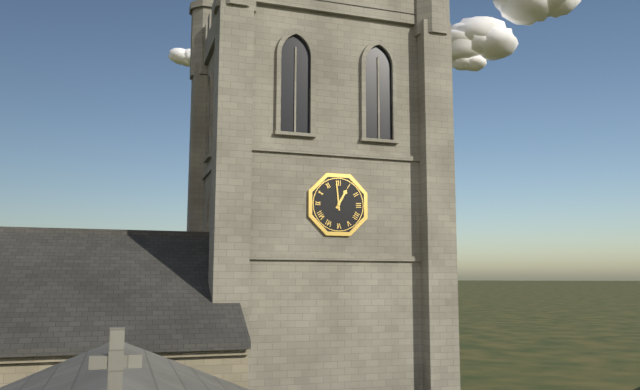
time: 12:59
